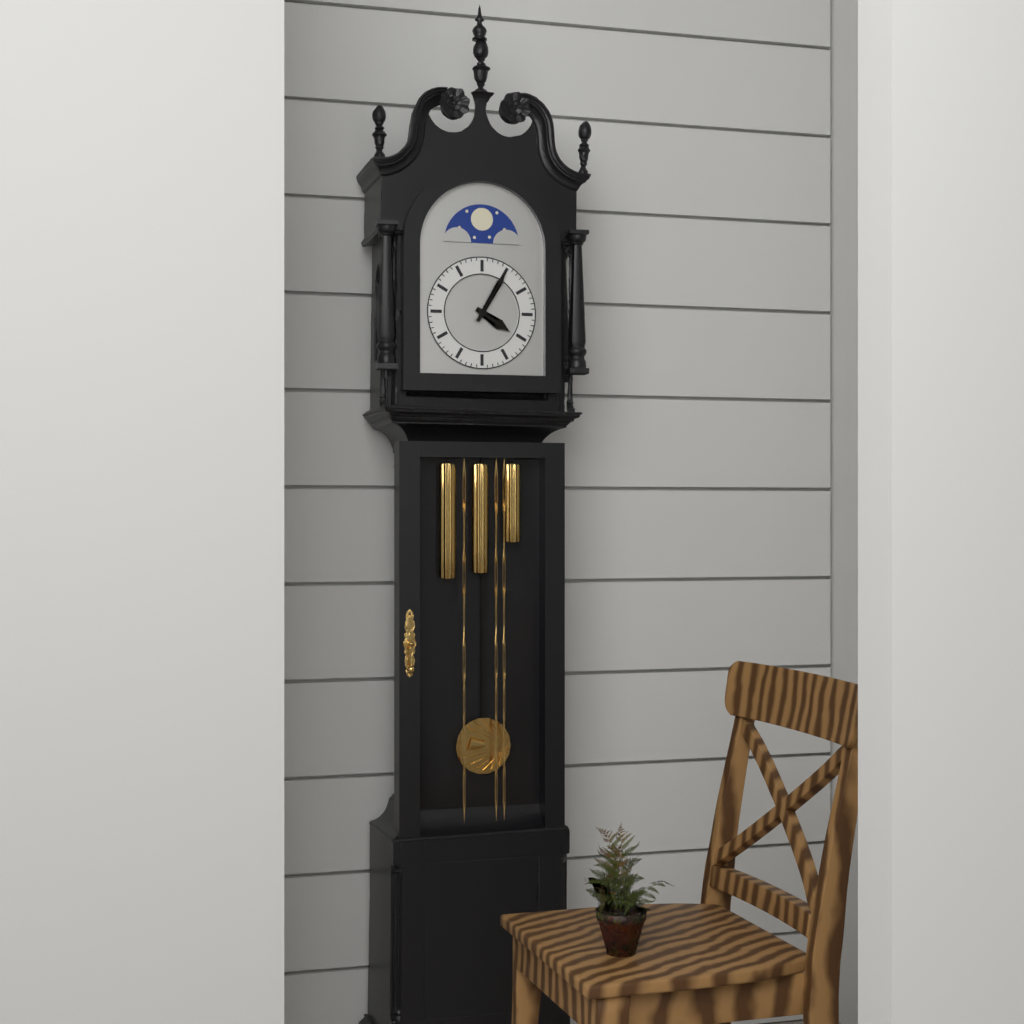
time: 4:05
